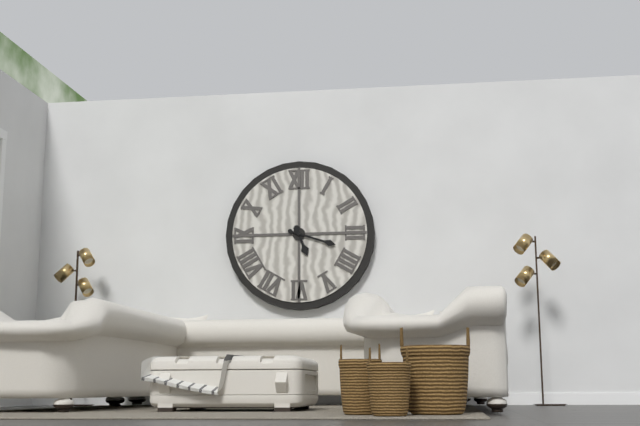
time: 5:18
